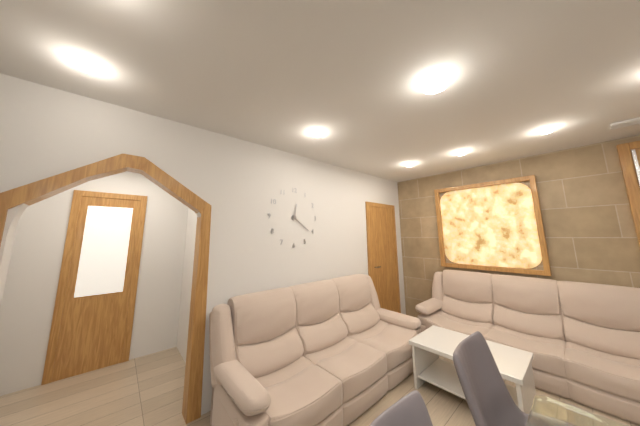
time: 12:21
